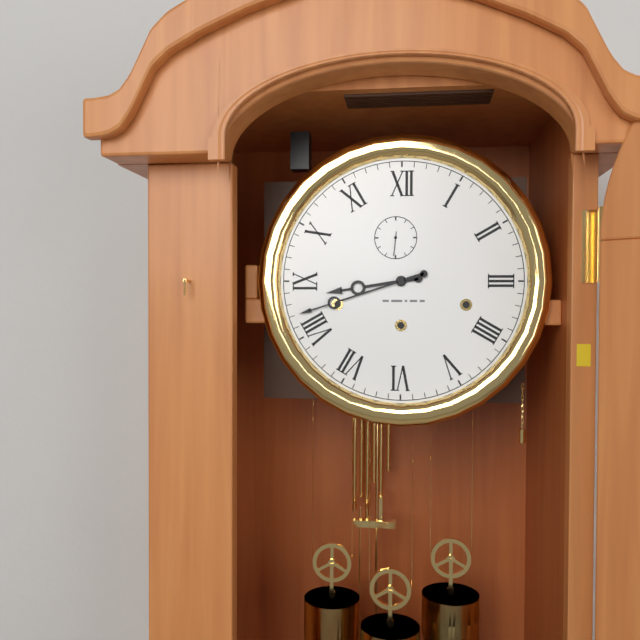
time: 8:42
